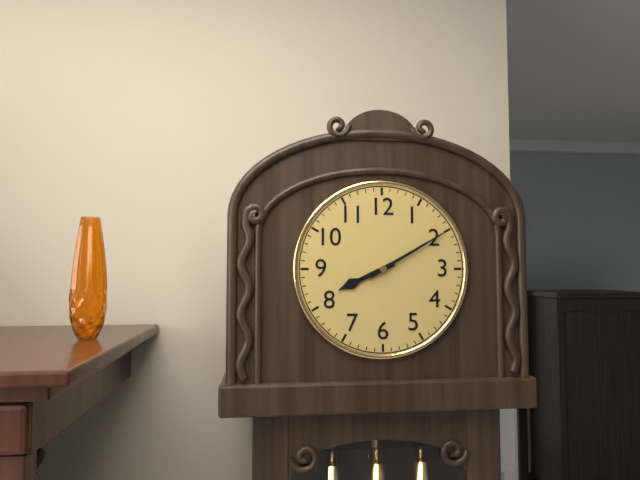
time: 8:10
